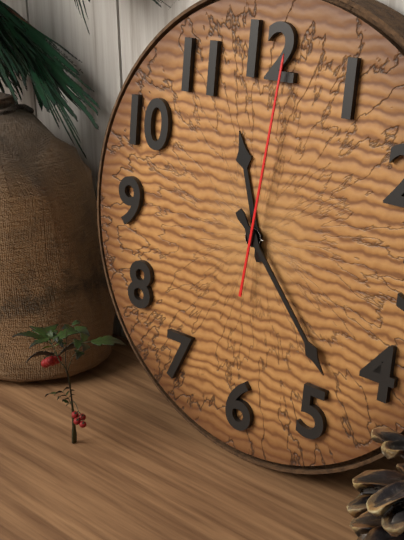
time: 11:23:01
